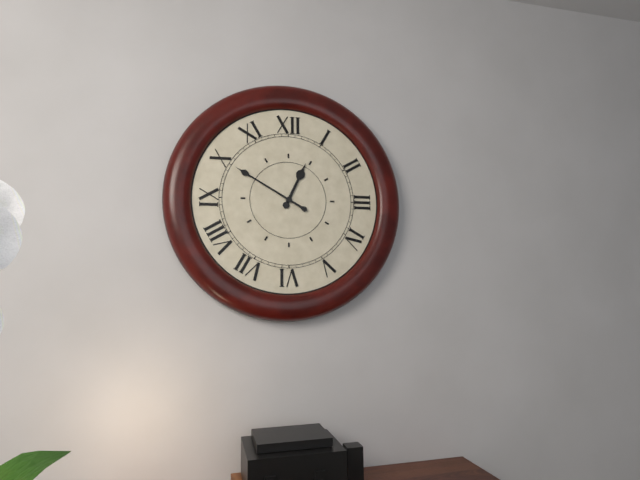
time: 12:50
